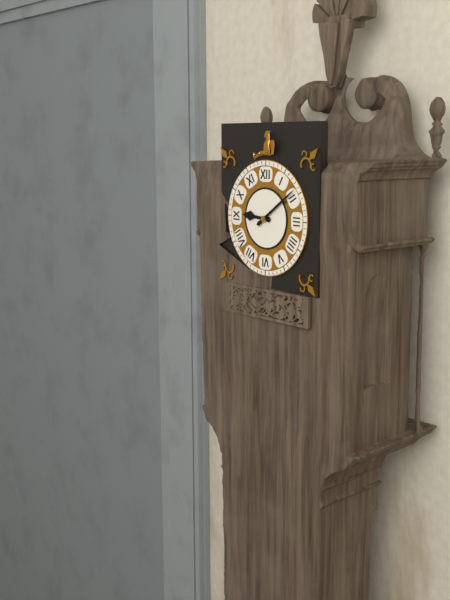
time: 9:09
